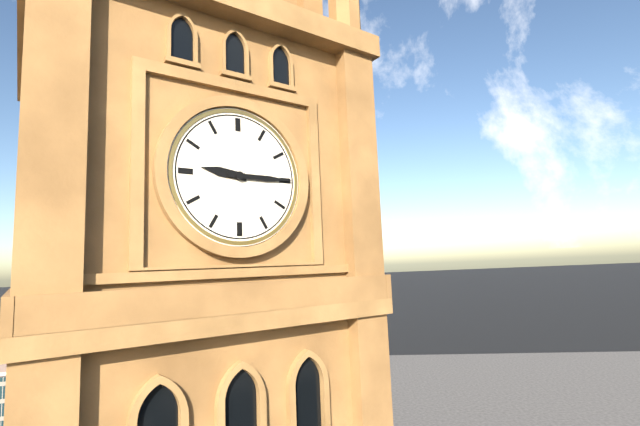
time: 9:15
